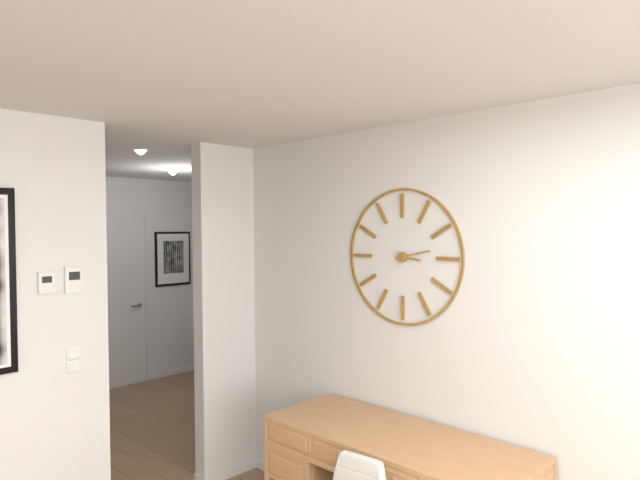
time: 3:13
